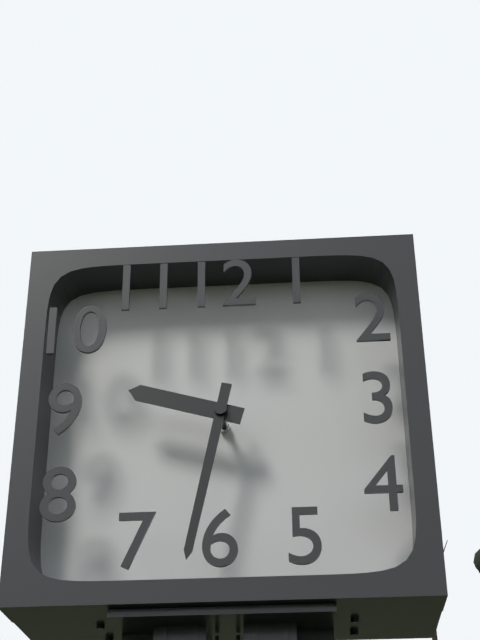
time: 9:32
